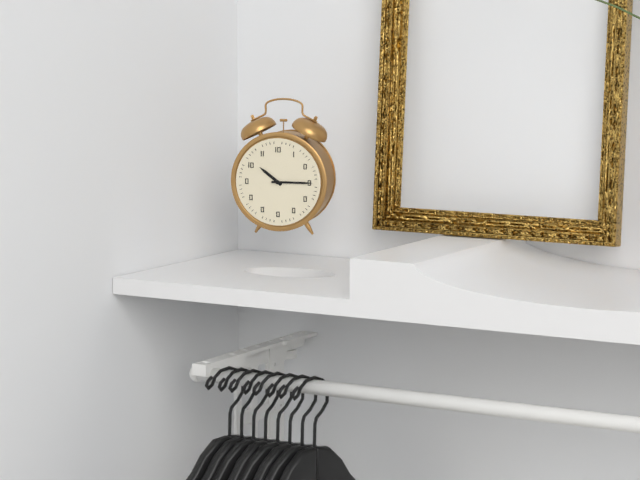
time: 10:15
